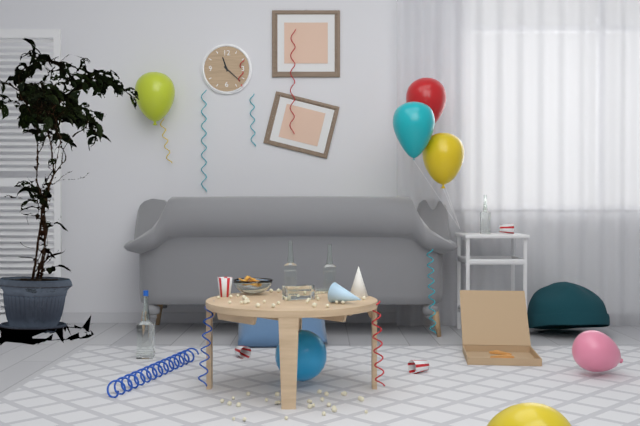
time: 11:22
